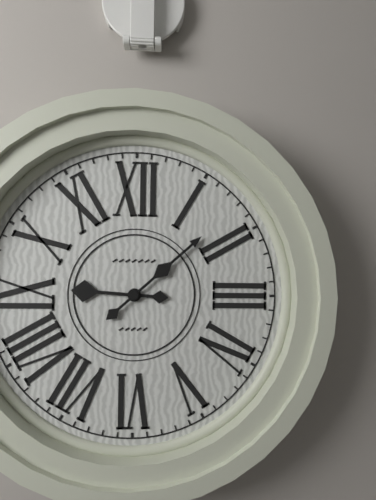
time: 9:08
